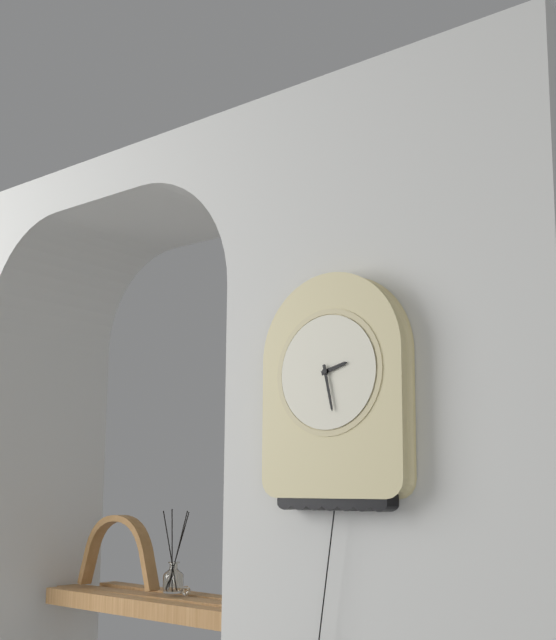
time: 2:28
